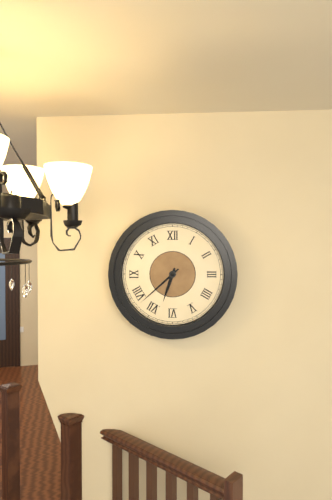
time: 6:38
